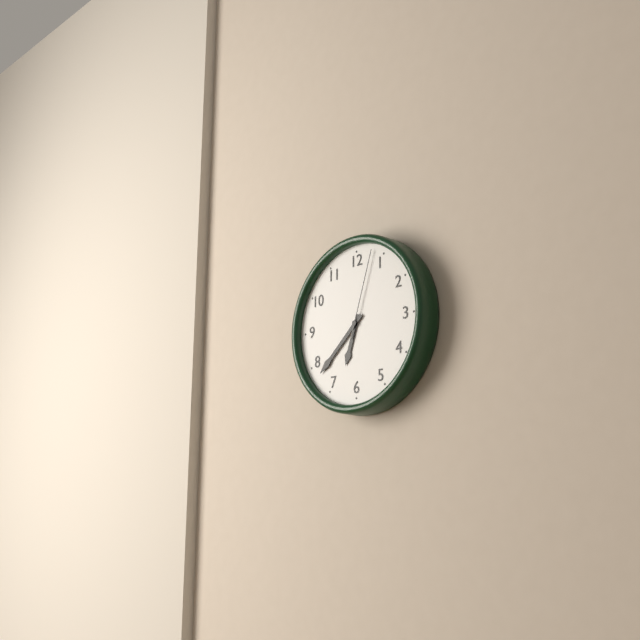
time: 6:38:03
